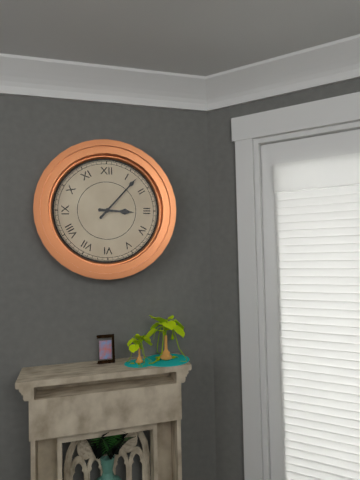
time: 3:07
